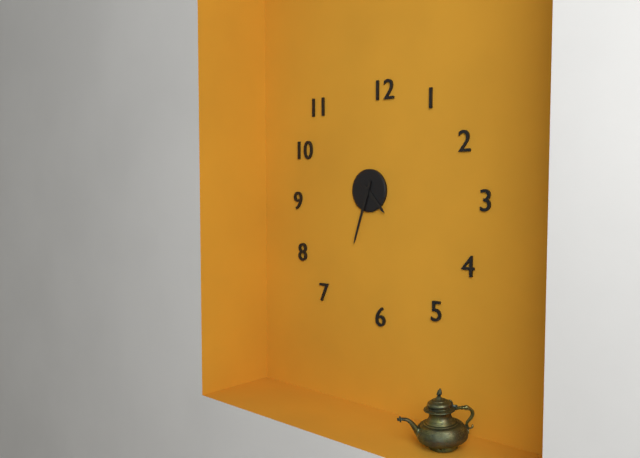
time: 4:33
